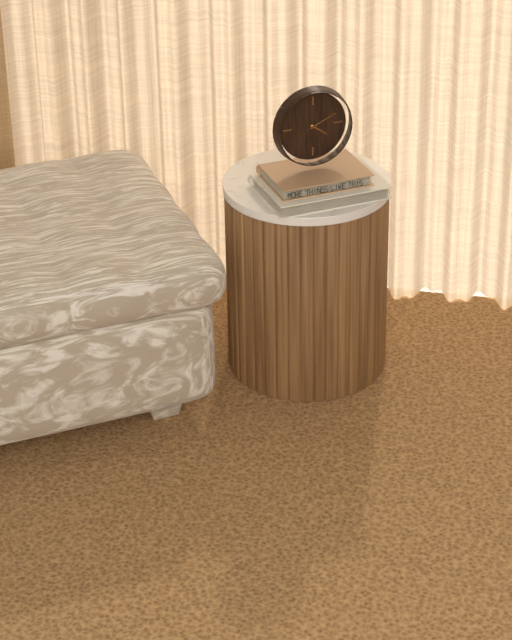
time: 4:11
